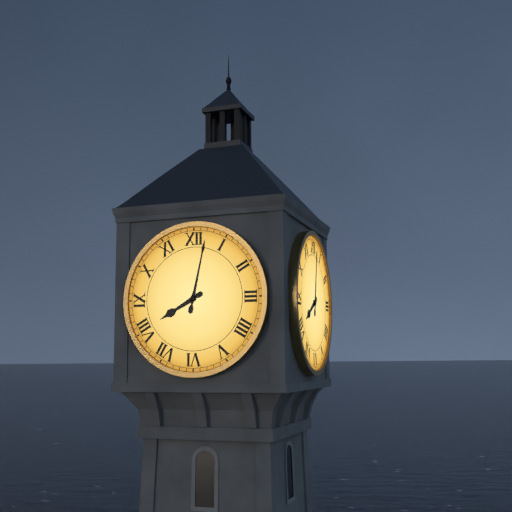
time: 8:02
